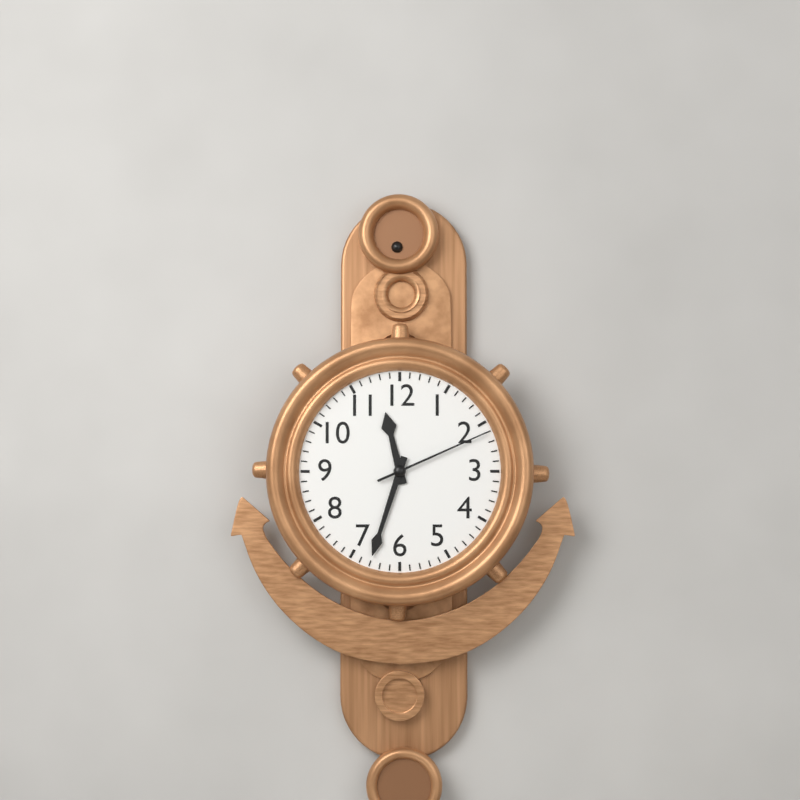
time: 11:33:11
